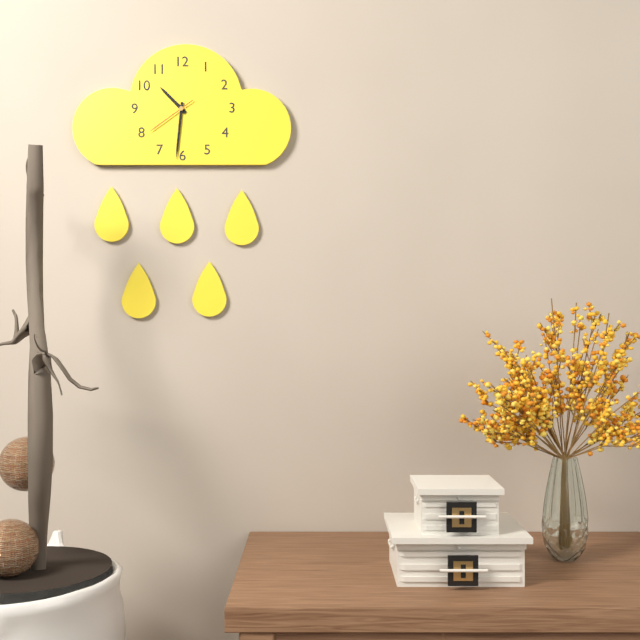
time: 10:31:39
